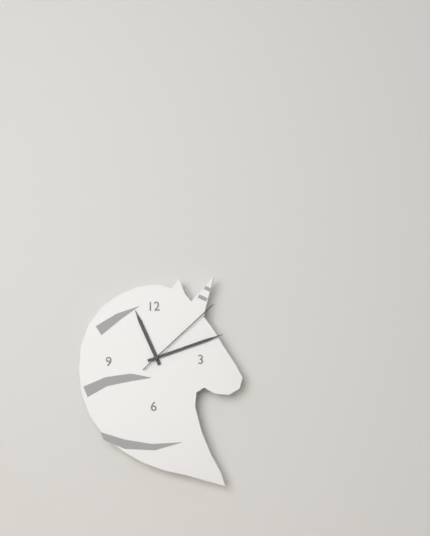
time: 11:12:08
